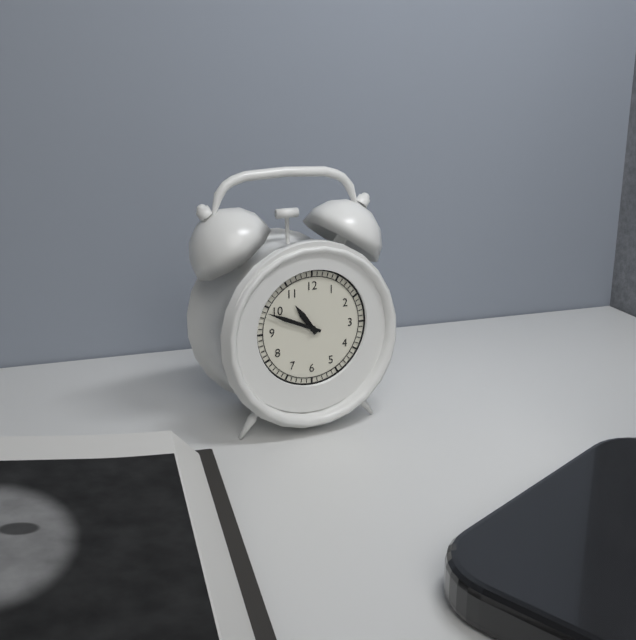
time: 10:49
